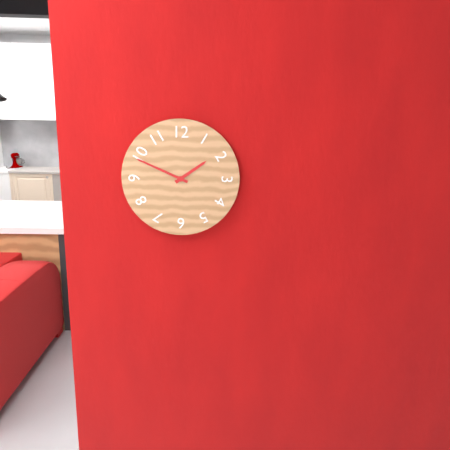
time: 1:49
